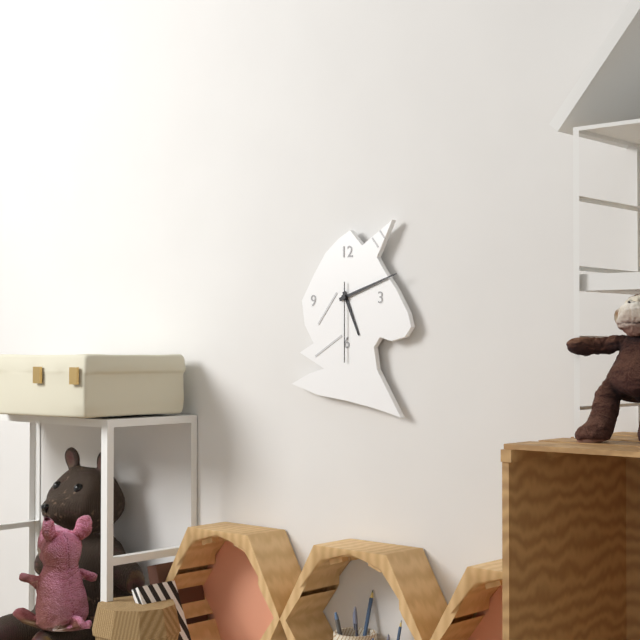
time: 5:12:30
